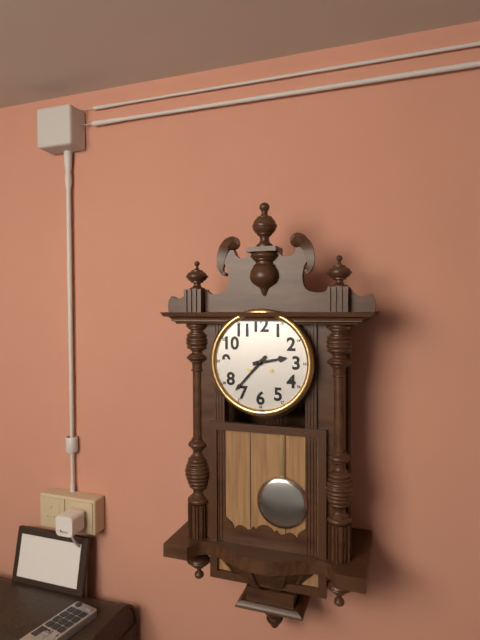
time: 2:37
